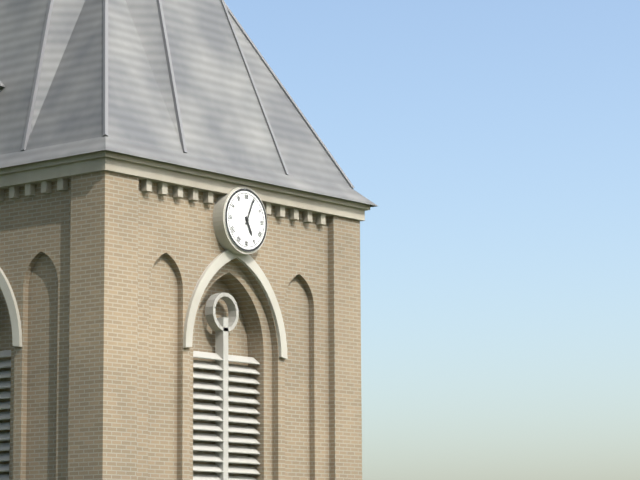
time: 5:04
